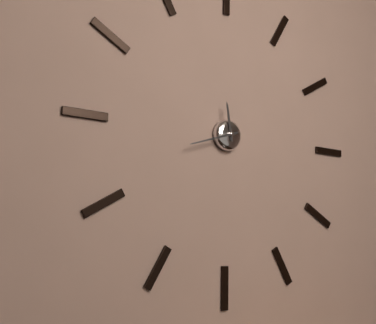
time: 11:42
